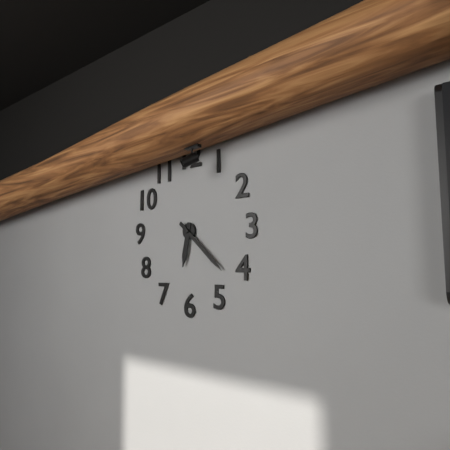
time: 6:22
